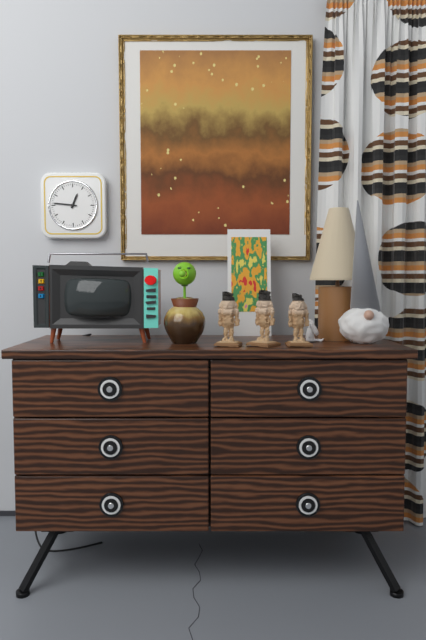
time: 12:46
